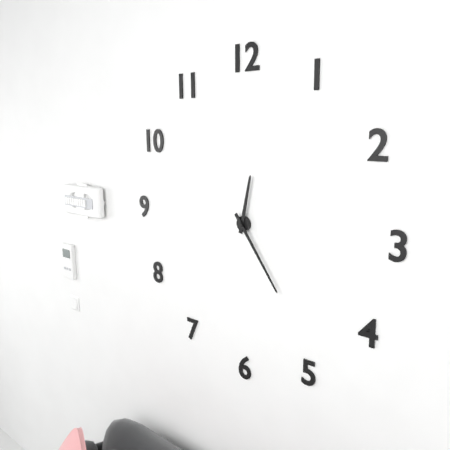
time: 12:24
